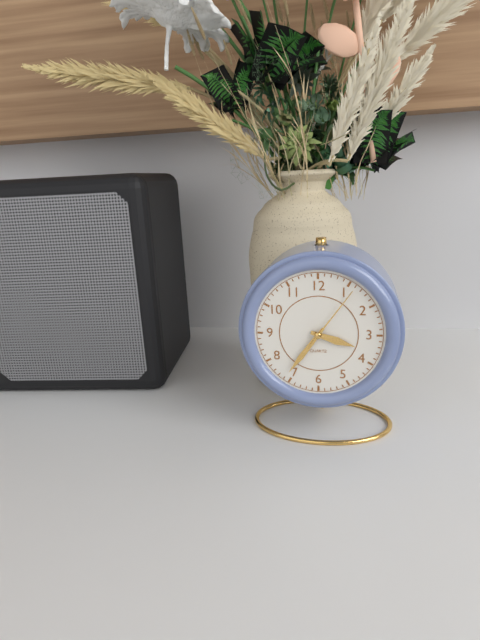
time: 3:36:06
